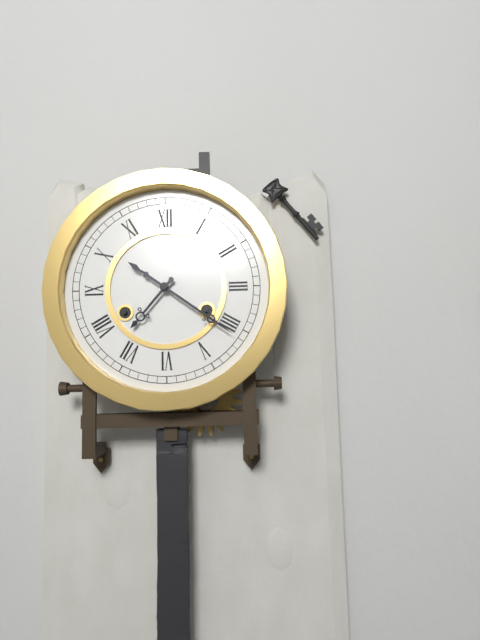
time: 7:21
